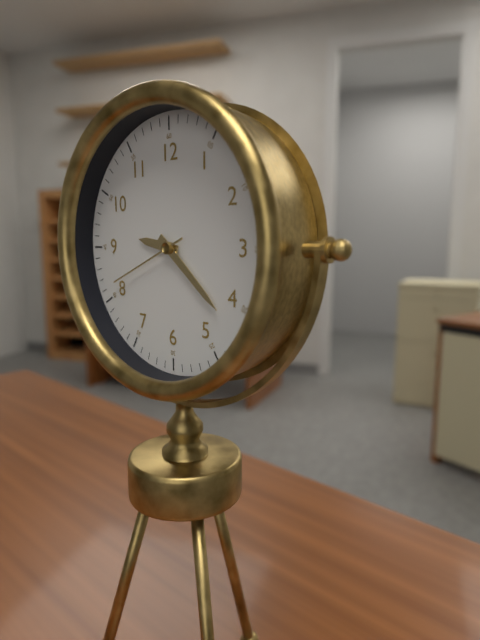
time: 9:22:41
